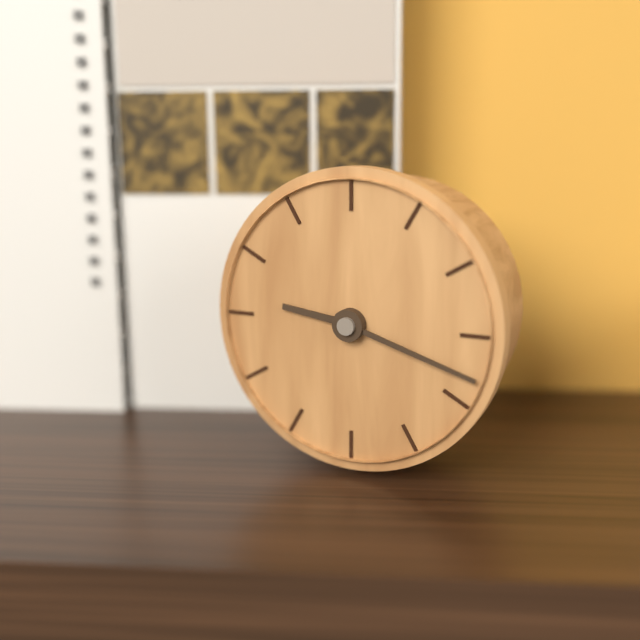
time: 9:18
